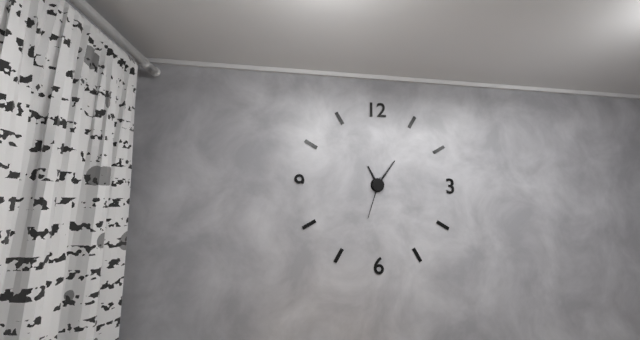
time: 11:06
